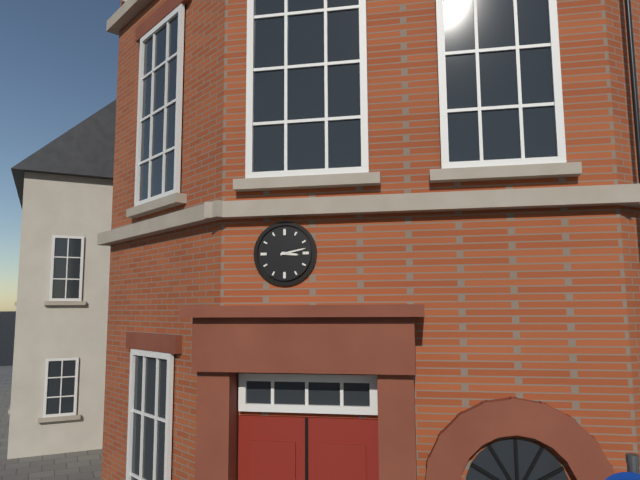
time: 3:13
